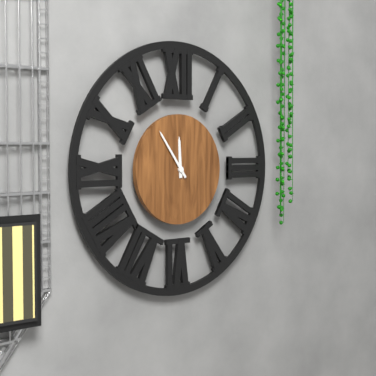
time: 11:54
